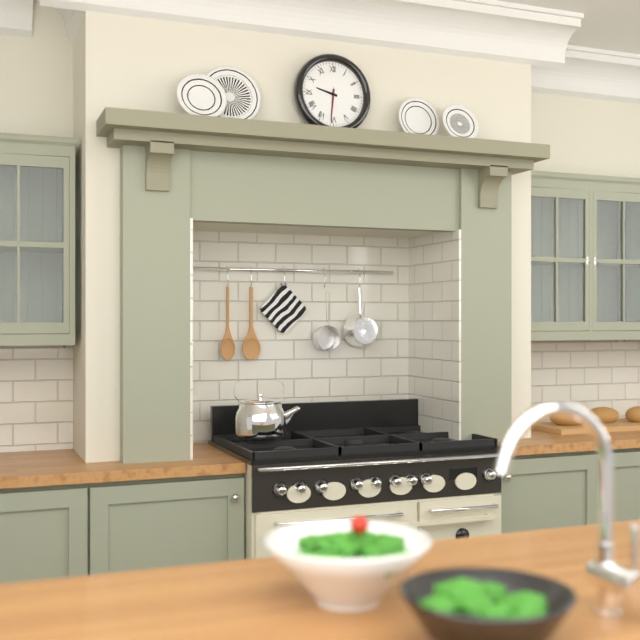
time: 9:31
